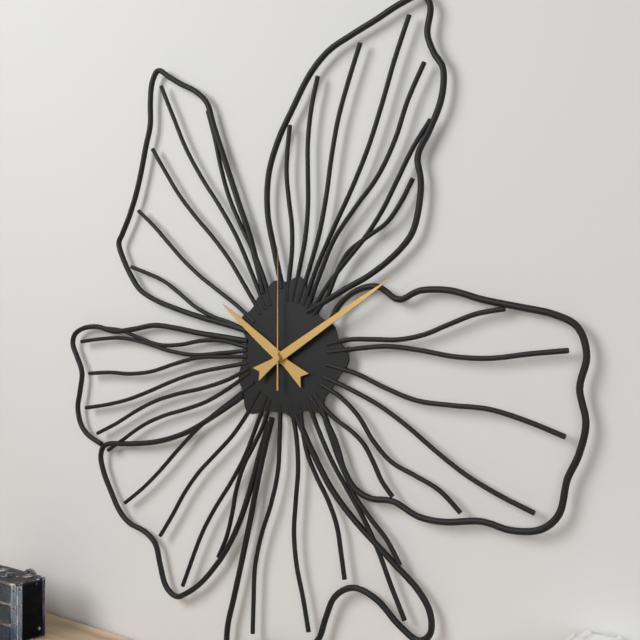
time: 10:10:00
